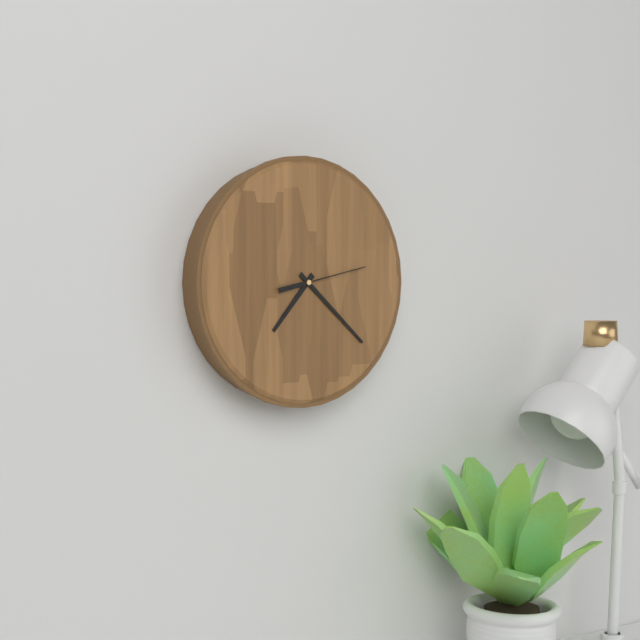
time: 7:22:13
